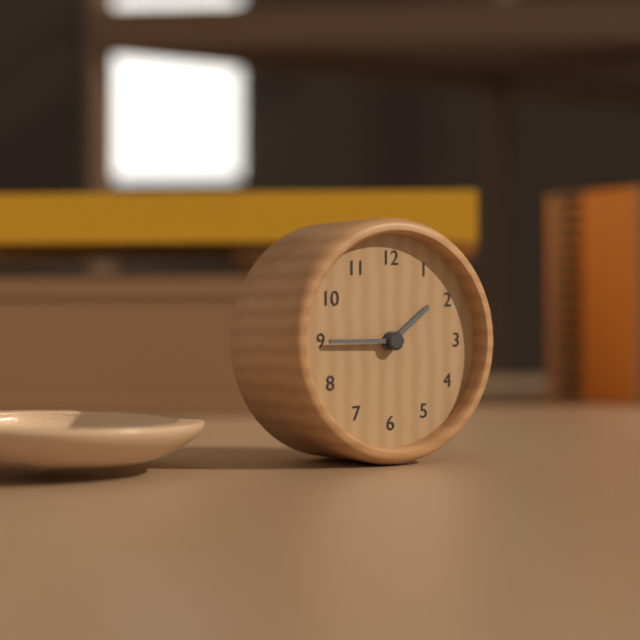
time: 1:45
